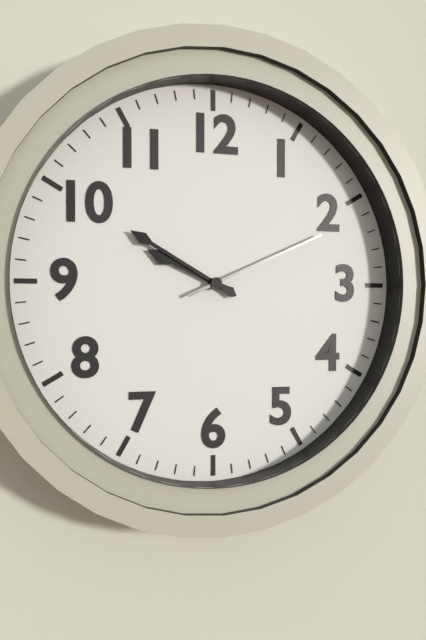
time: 9:50:11
